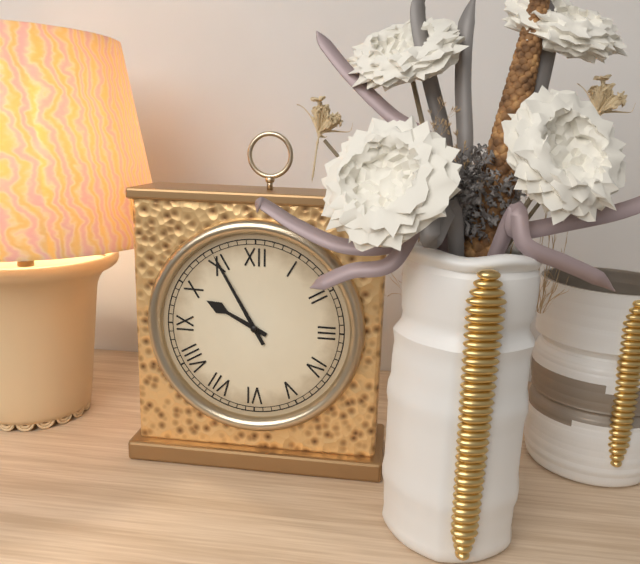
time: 9:55
